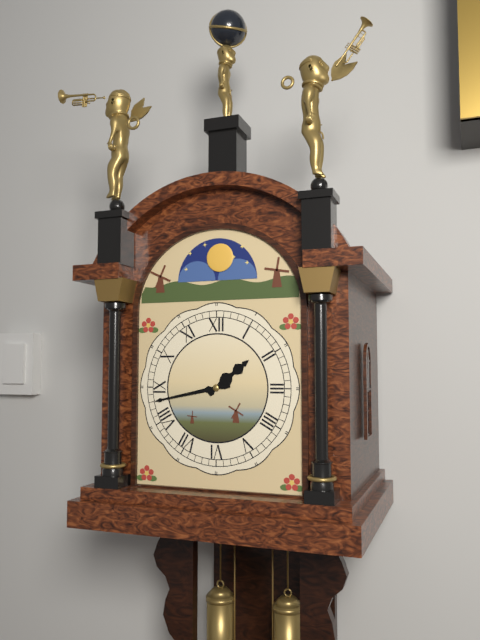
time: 1:43
